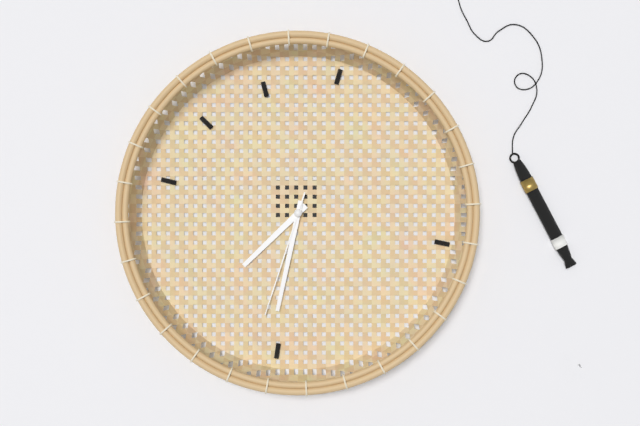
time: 7:32:33
